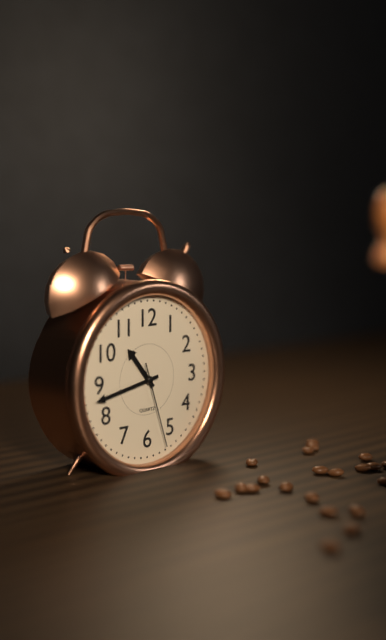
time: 10:43:27
